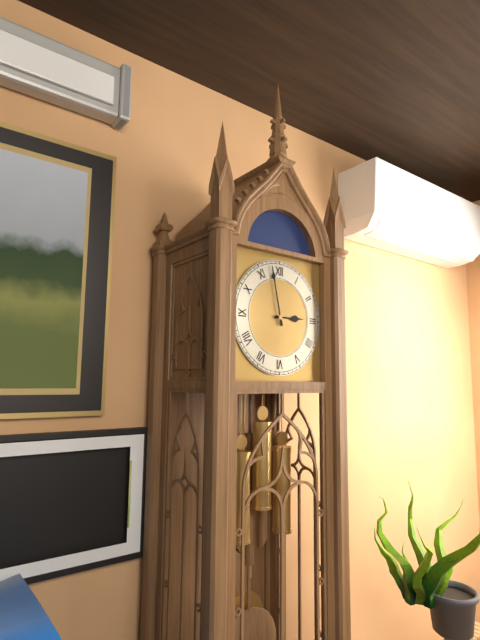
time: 2:58
